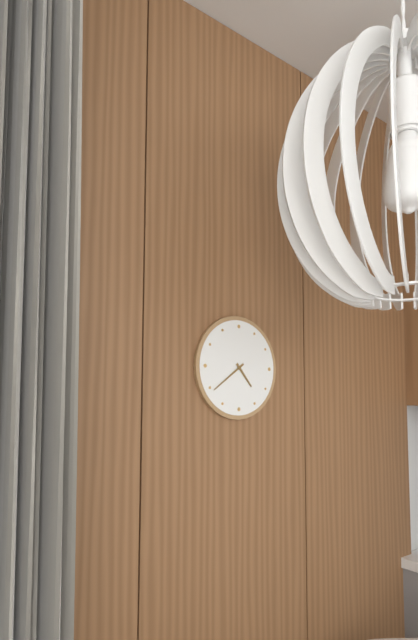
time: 4:39
